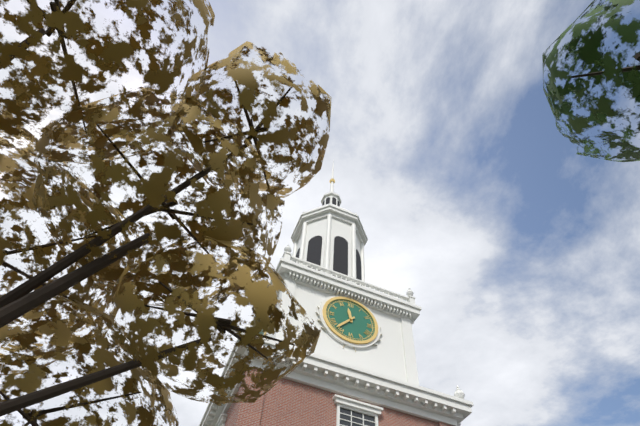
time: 11:37
